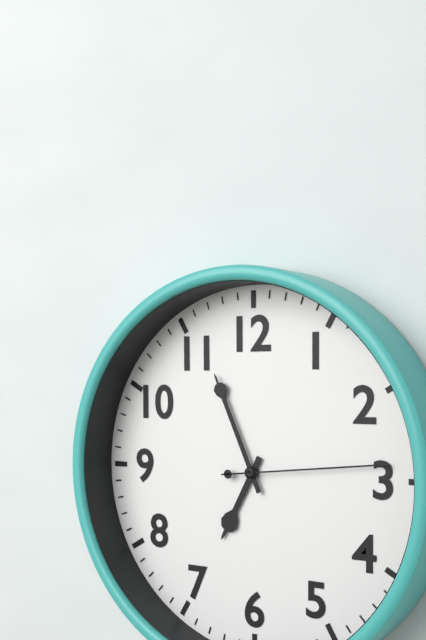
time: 6:56:14
